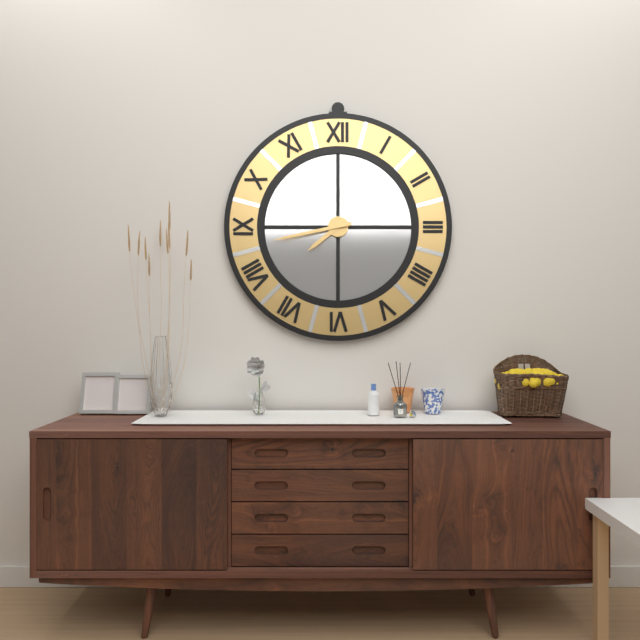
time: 7:43
